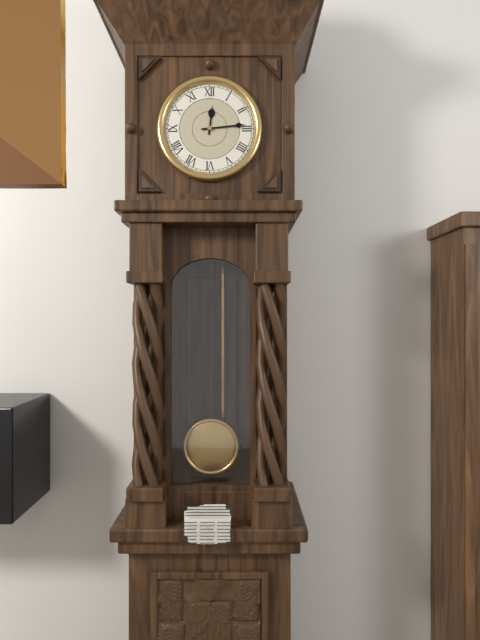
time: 12:14
